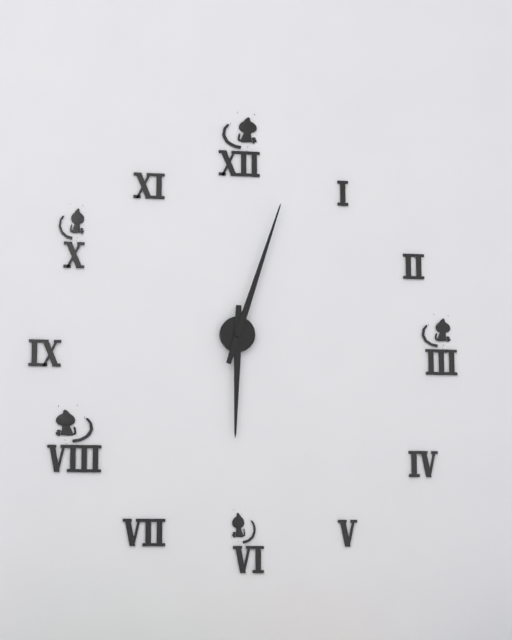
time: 6:03
